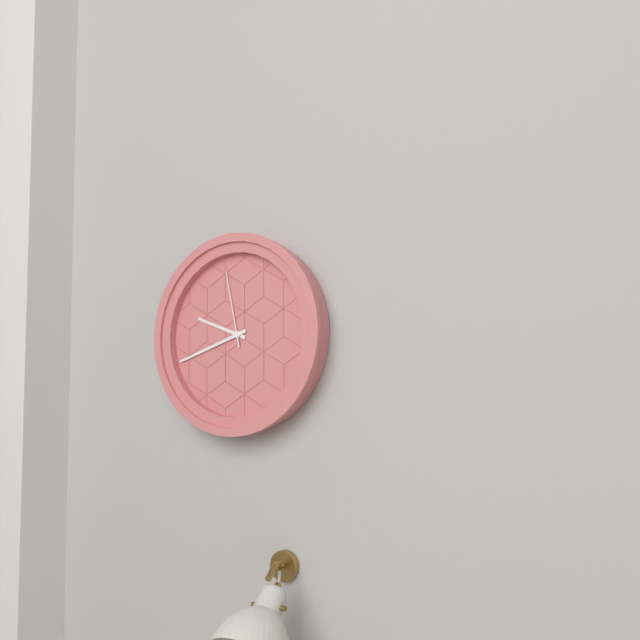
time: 9:42:58
